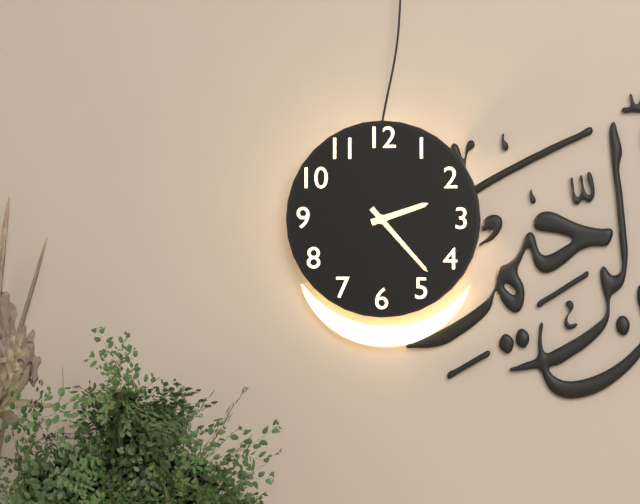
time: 2:23
